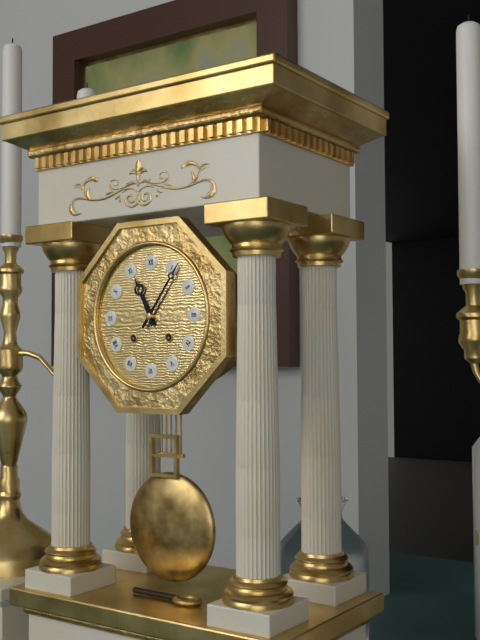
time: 11:06
